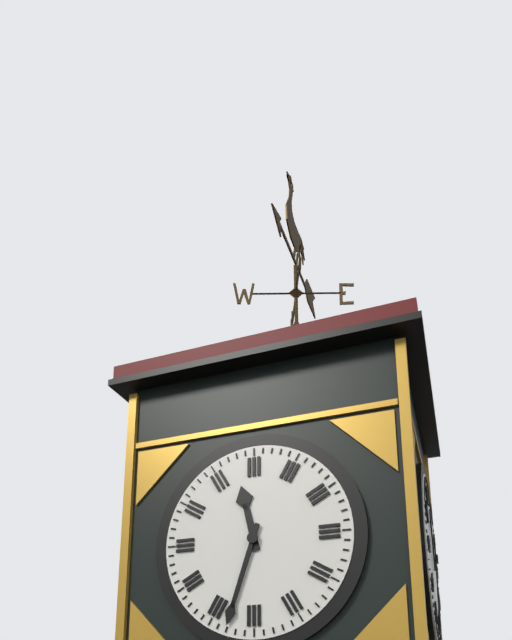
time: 11:33
